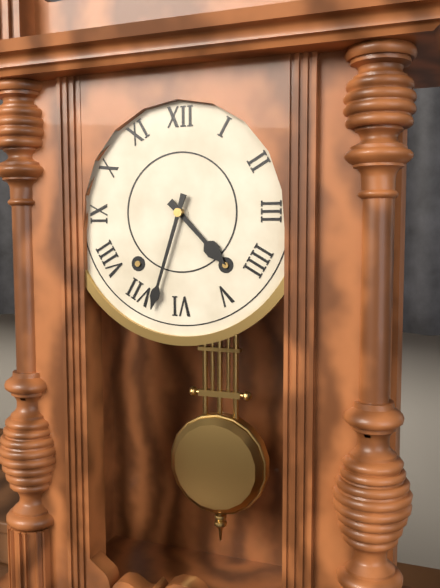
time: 4:33
